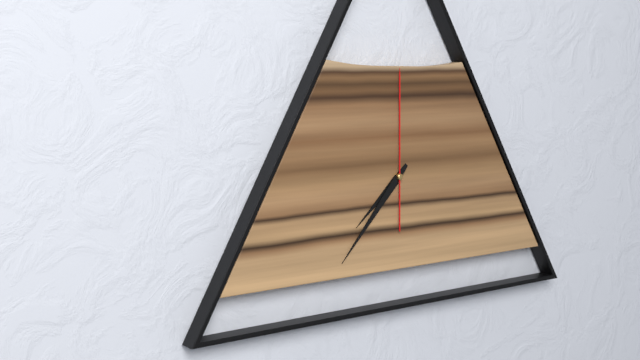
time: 7:37:00
